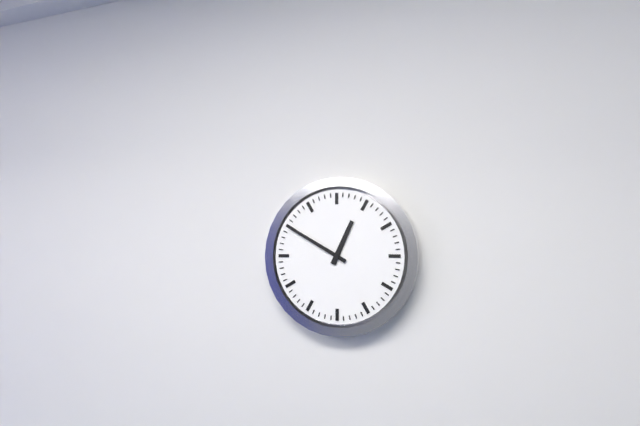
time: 12:50
